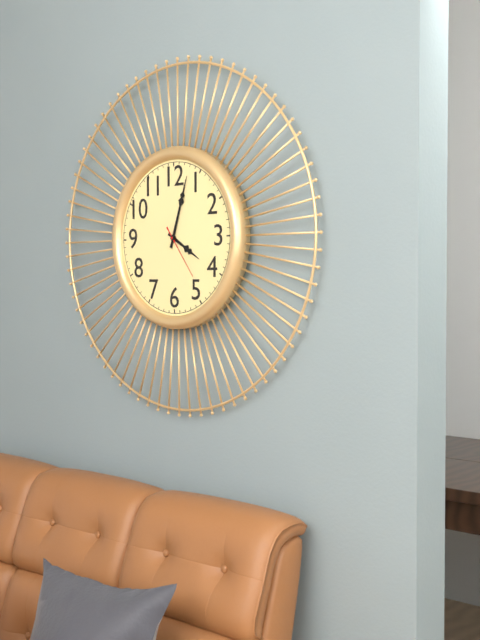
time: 4:03
